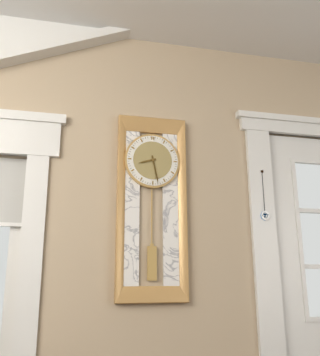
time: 8:28
